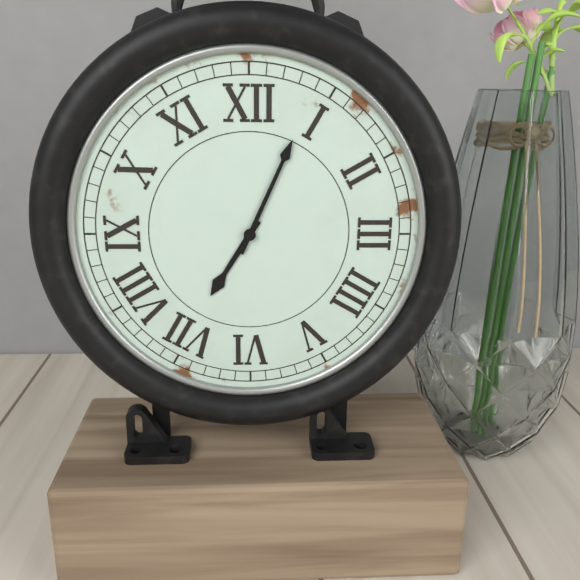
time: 7:04
